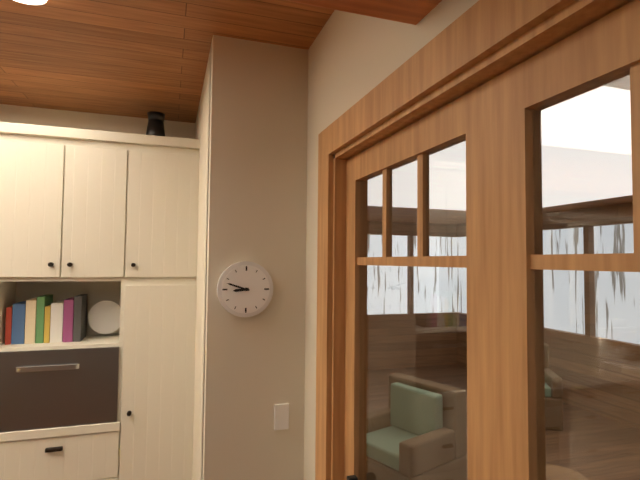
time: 8:48
